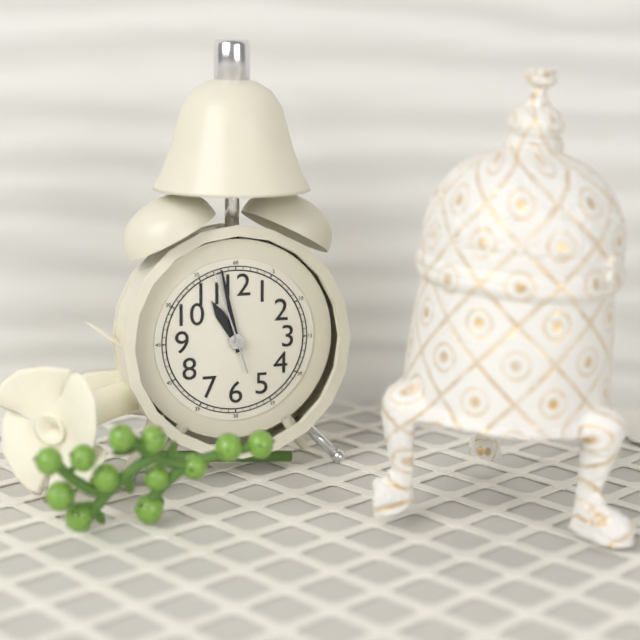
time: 10:58:57
